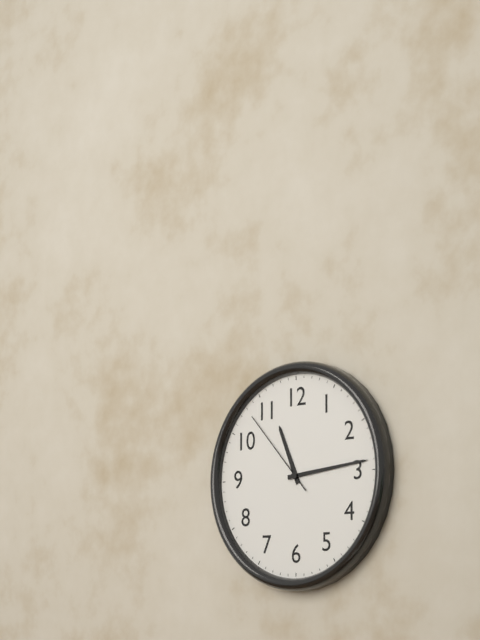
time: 11:14:53
